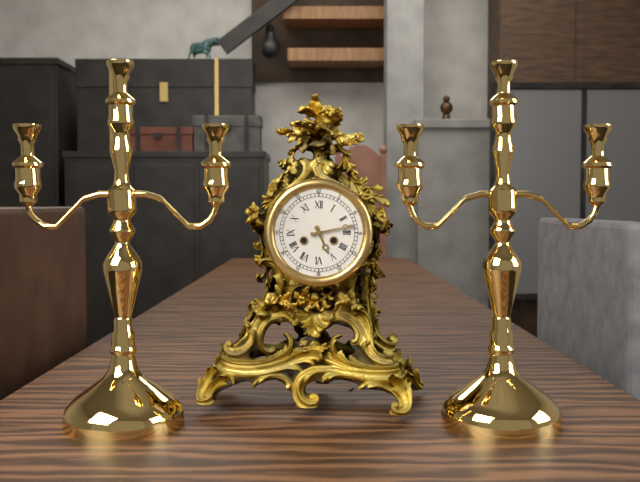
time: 5:13
